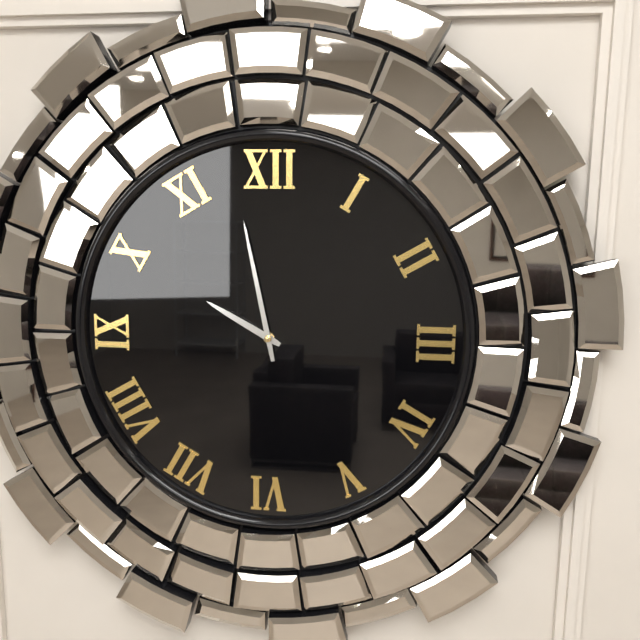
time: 9:58
